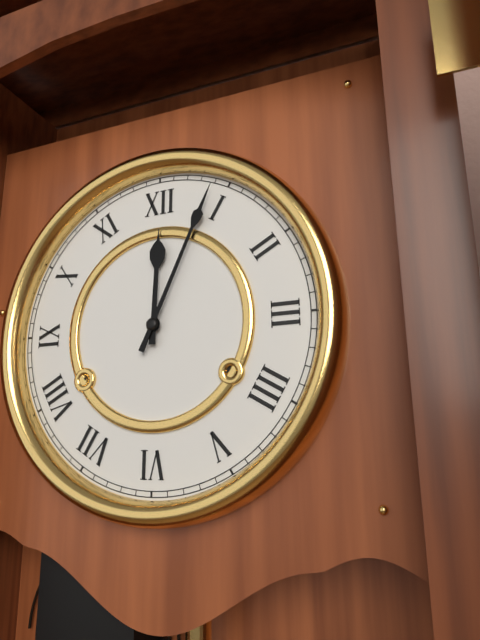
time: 12:04
